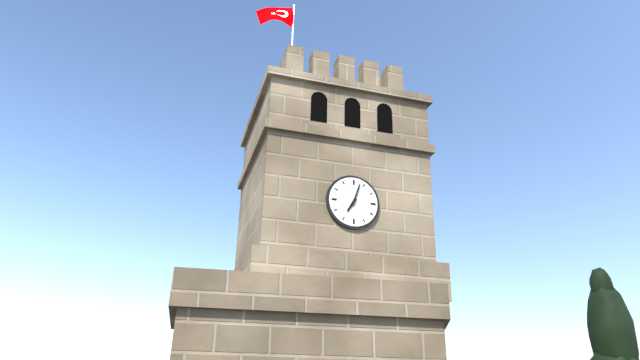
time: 7:03
